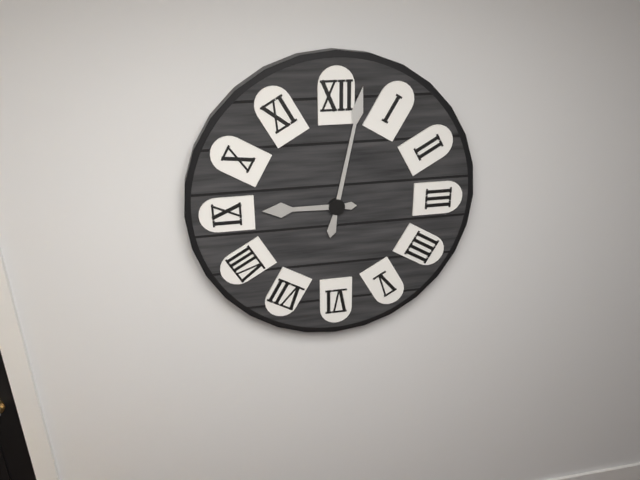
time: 9:02
